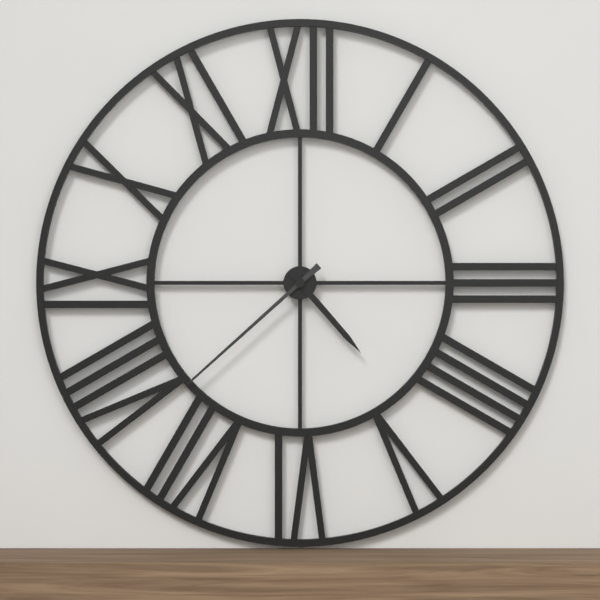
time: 4:38
